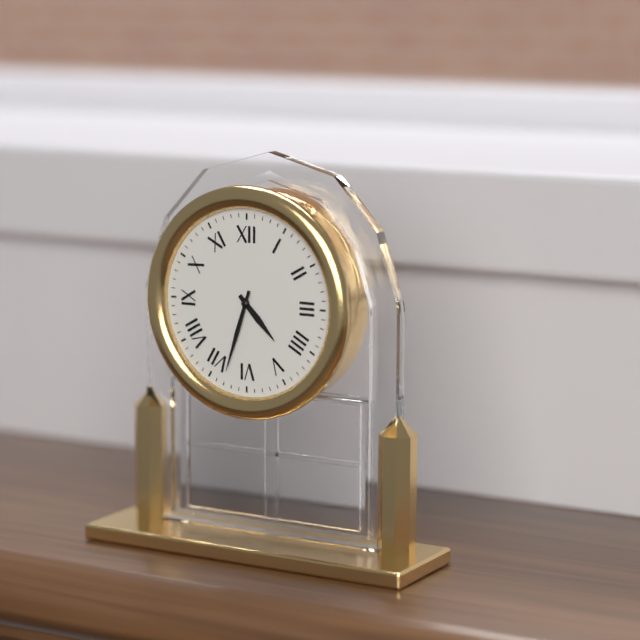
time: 4:33
